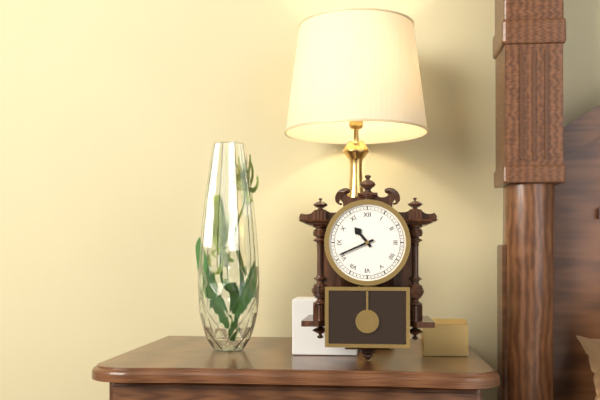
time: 10:41
